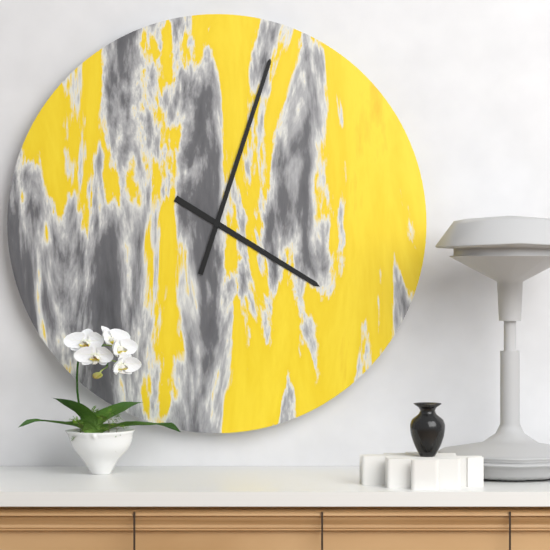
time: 4:03
